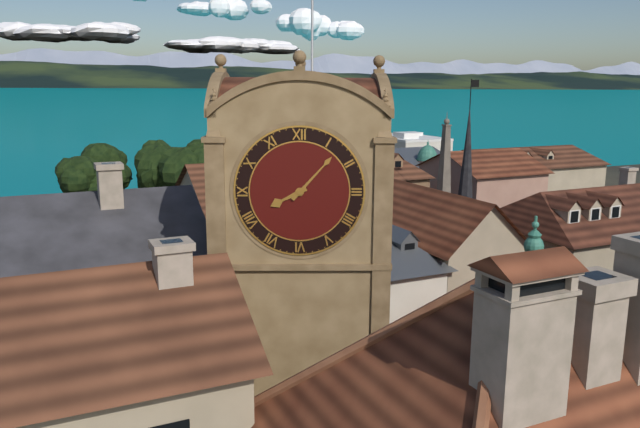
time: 8:07
